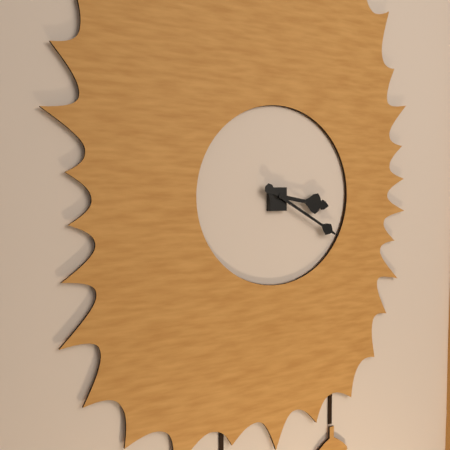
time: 3:20
